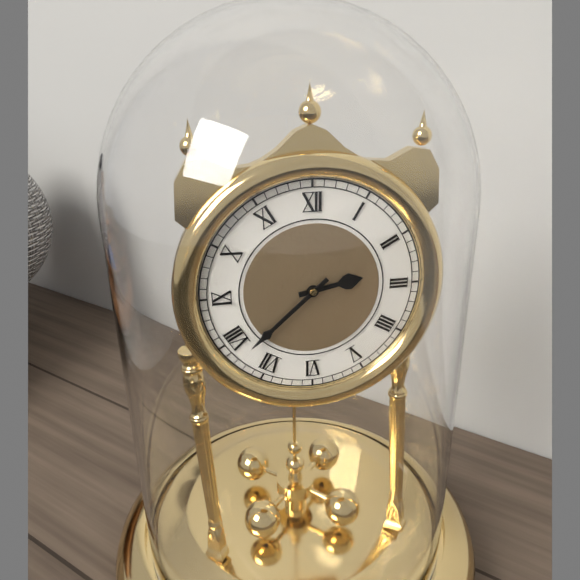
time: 2:38
